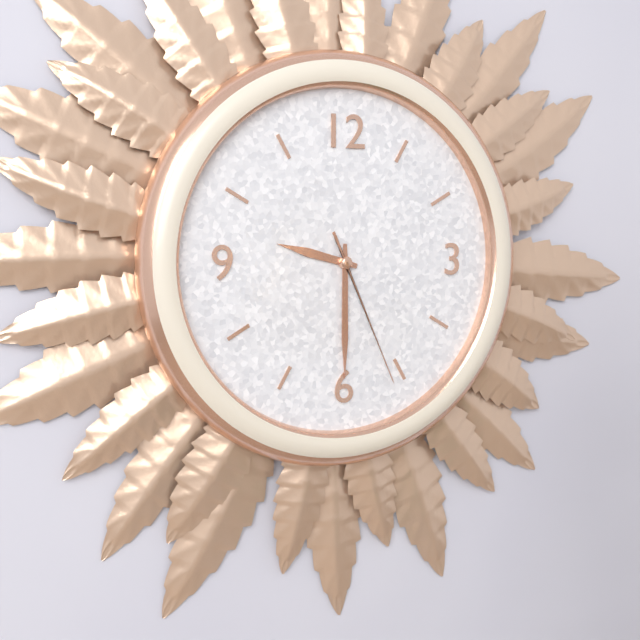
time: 9:30:26
